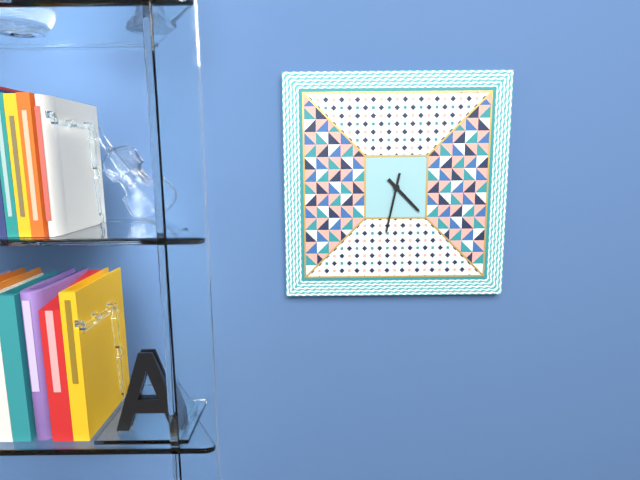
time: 4:32
